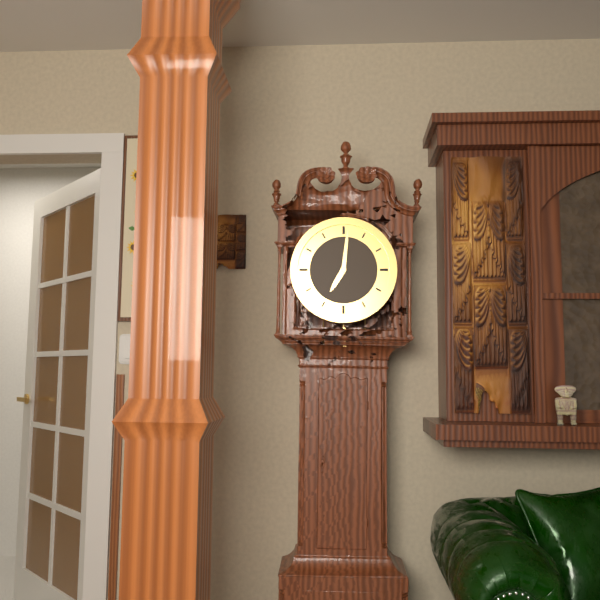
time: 7:01
